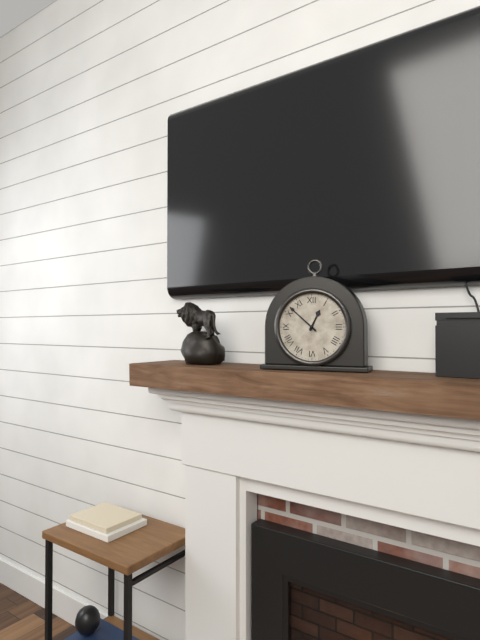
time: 12:52
